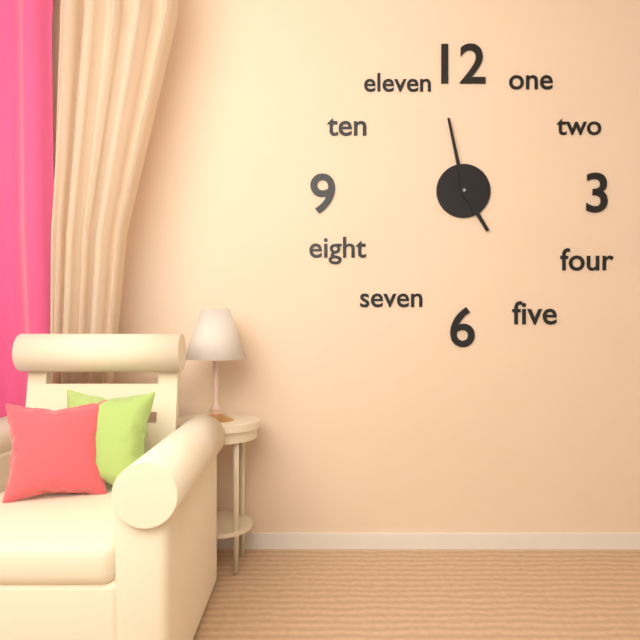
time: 4:58
